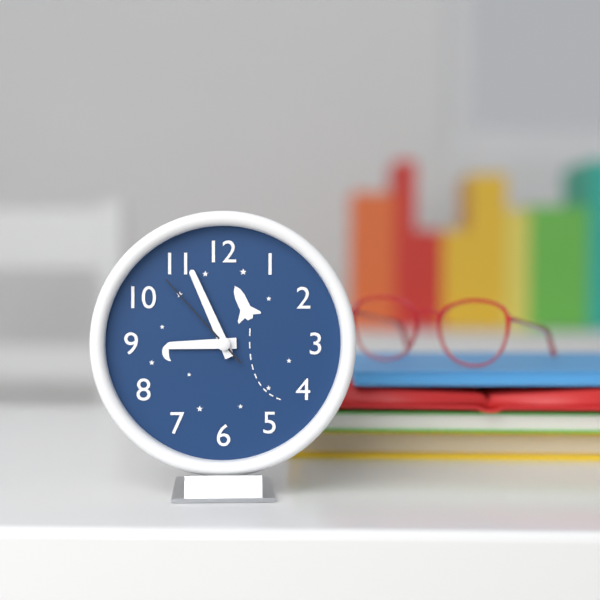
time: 8:56:53
